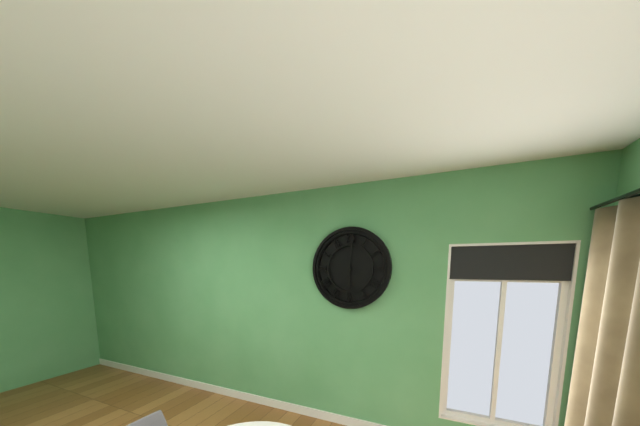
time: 6:01
